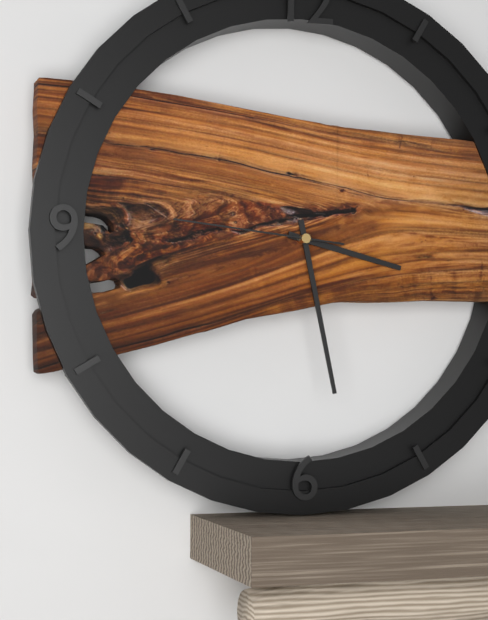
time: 3:28:46
